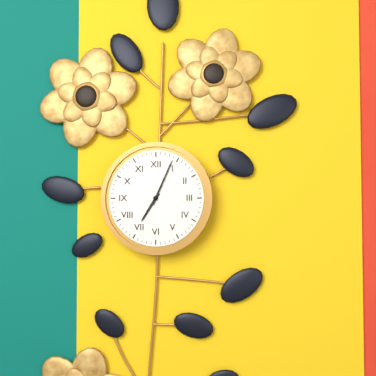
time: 7:04
